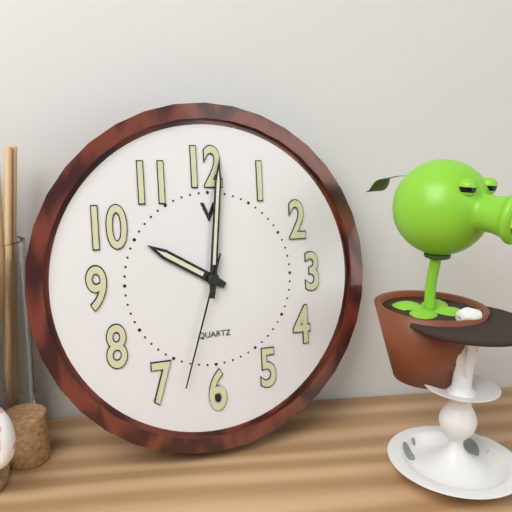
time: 10:01:33
